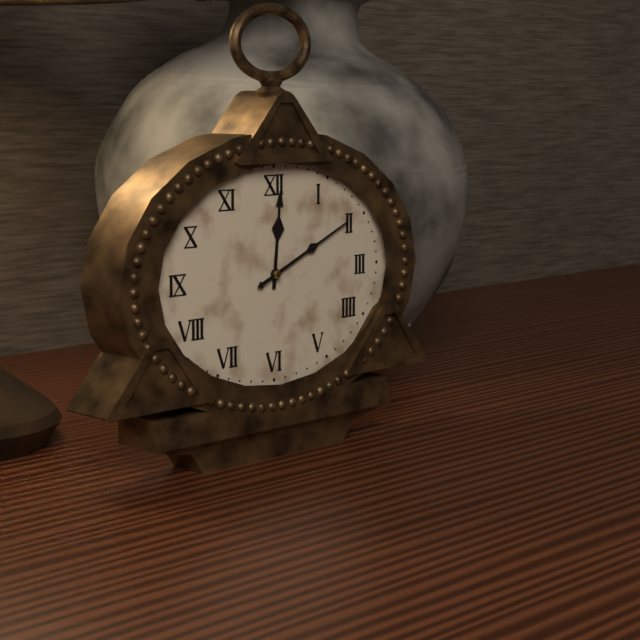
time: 12:11
